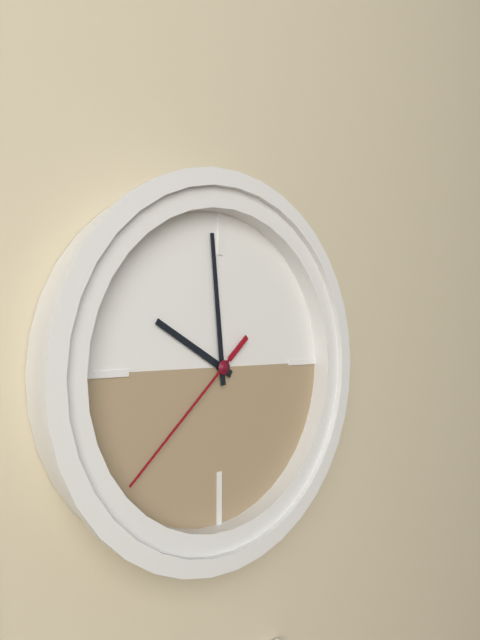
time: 9:59:38
